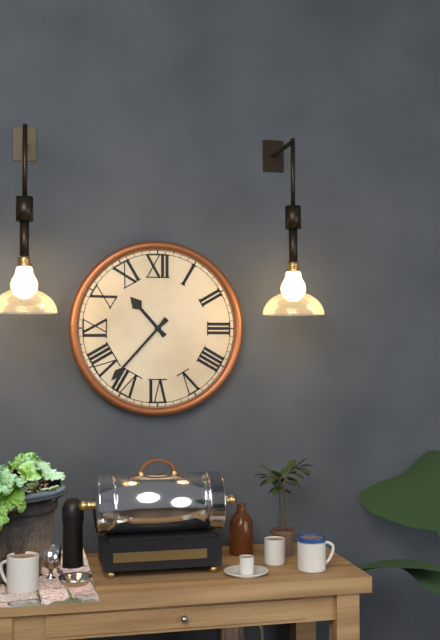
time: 10:37
